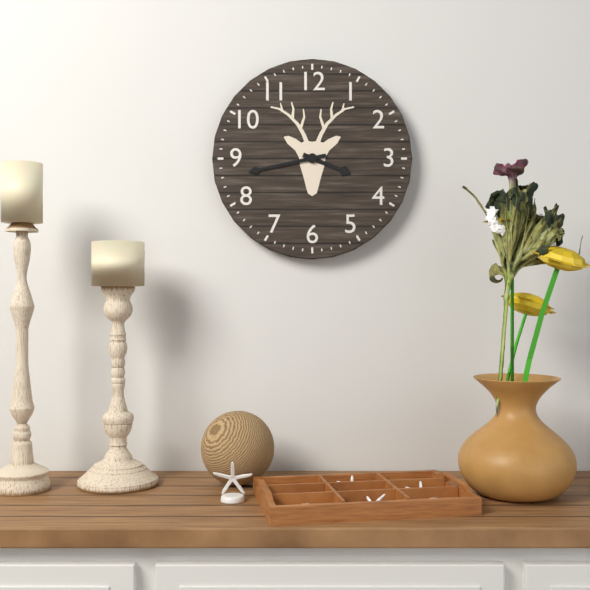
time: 3:43
